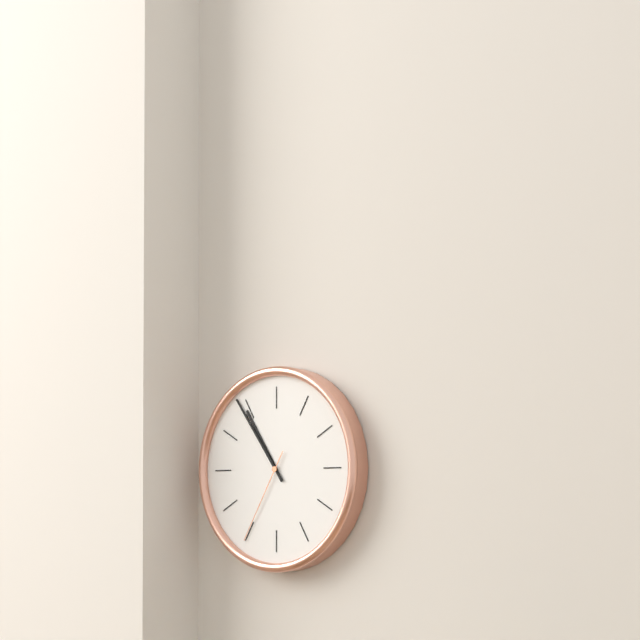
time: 10:54:35
